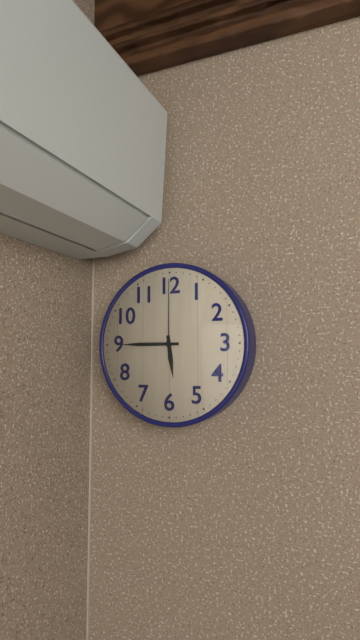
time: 5:45:00
